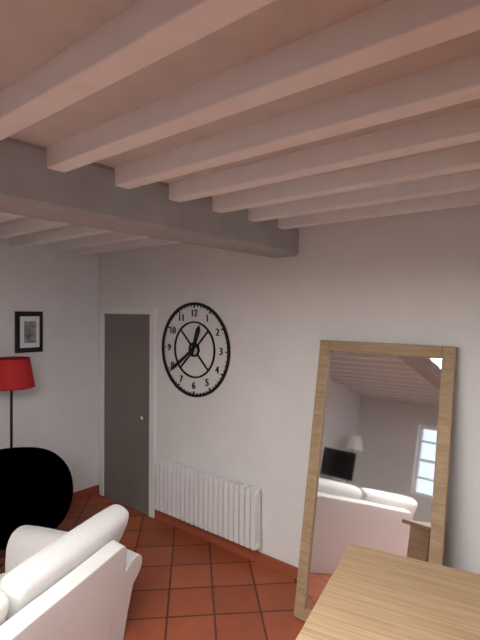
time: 12:39
